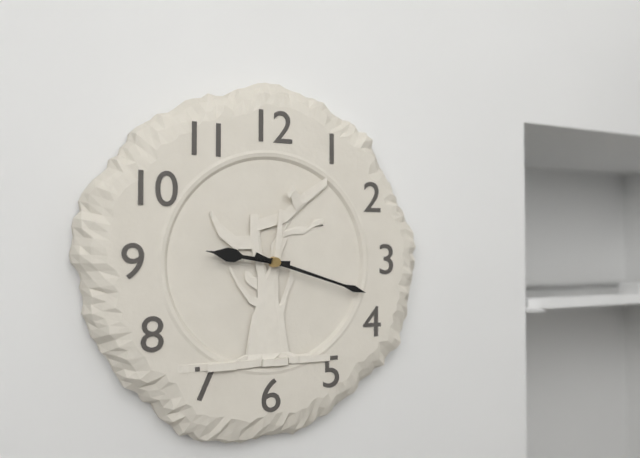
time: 9:18
